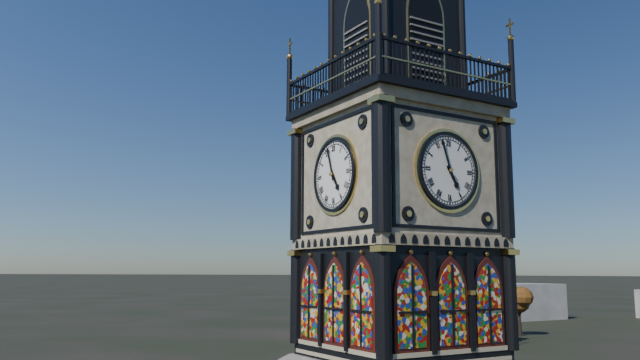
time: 4:57
